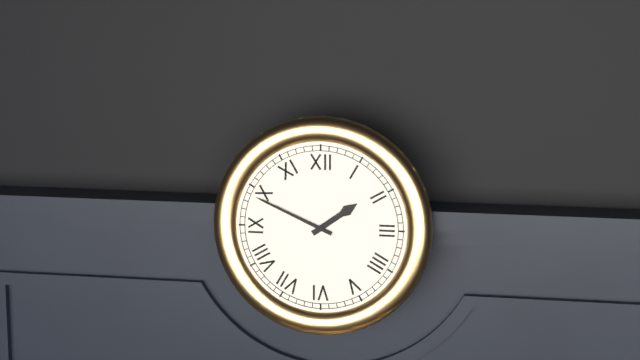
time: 1:49
